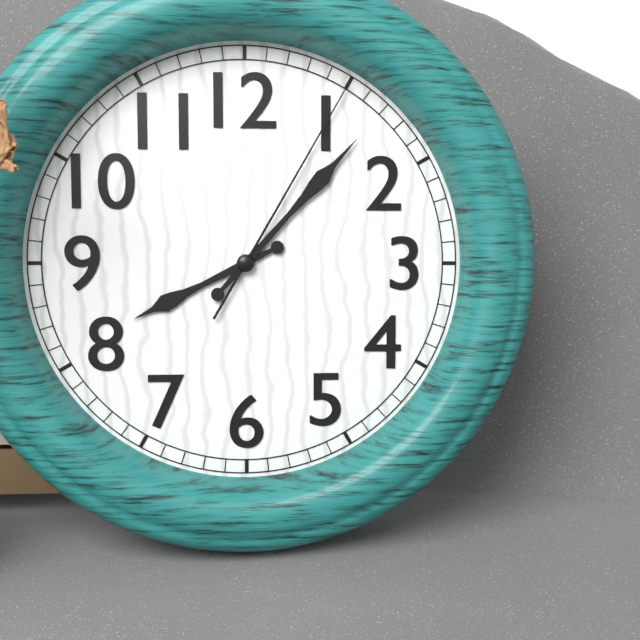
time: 8:07:05
